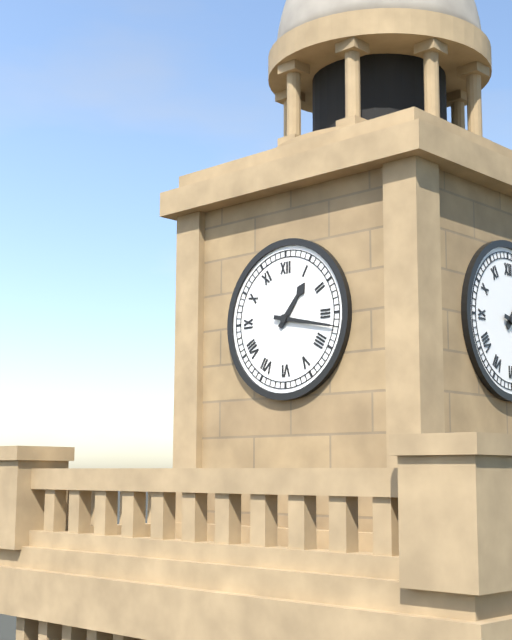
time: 1:17
